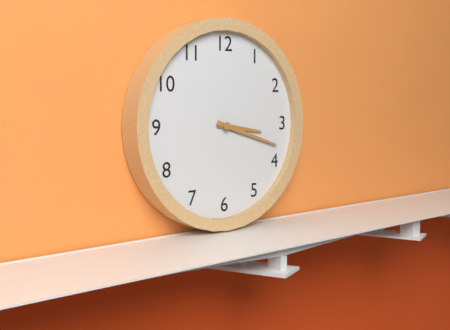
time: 3:18
